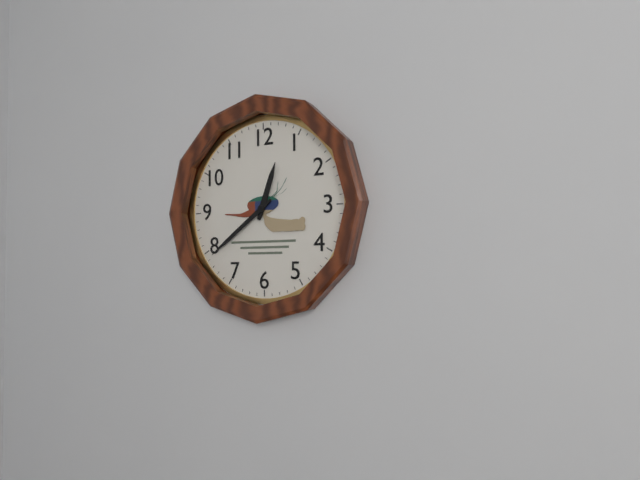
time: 12:39
